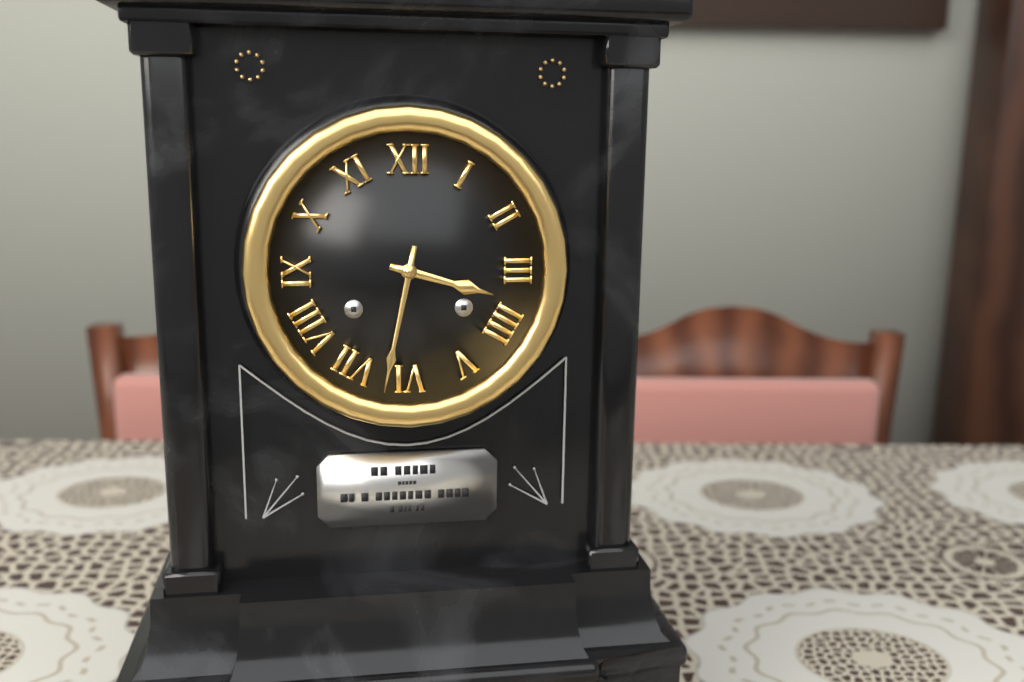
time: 3:32
